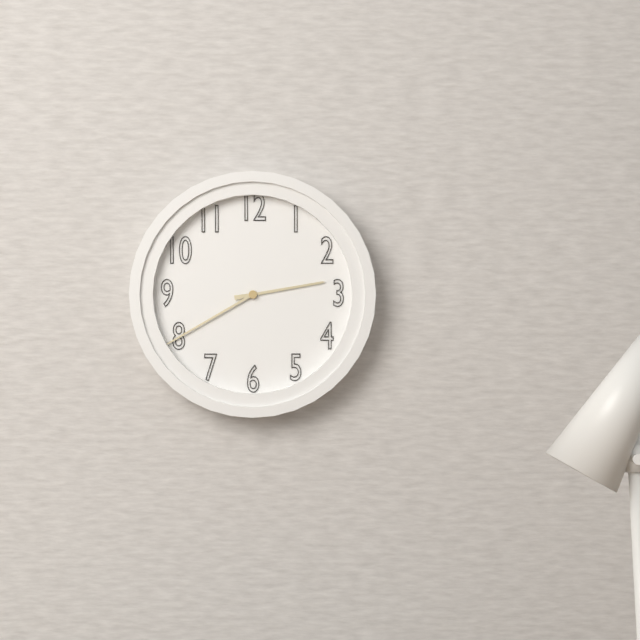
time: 2:40
